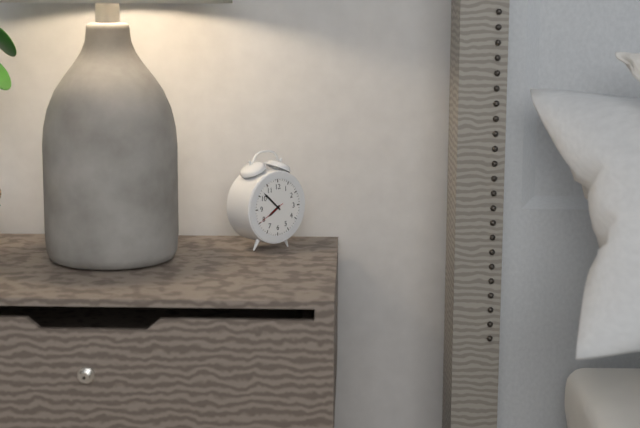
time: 7:52
